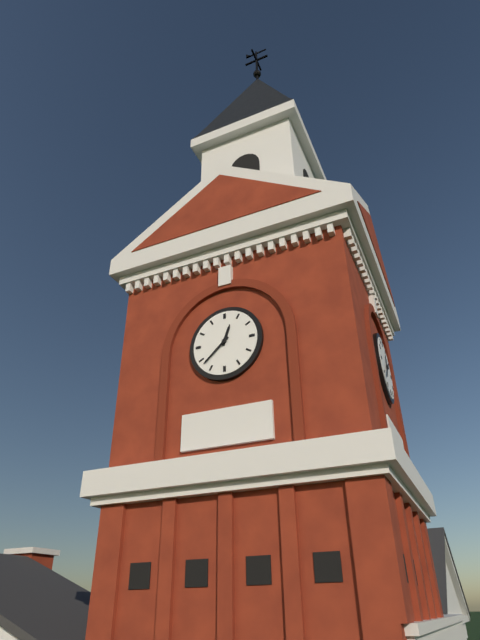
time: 12:38
